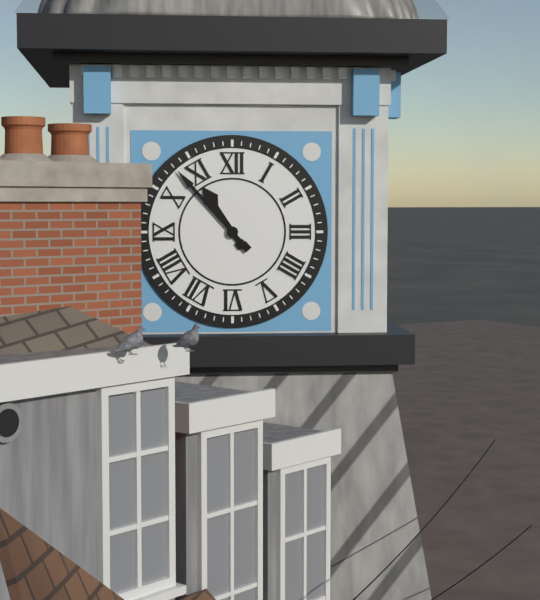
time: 10:53
